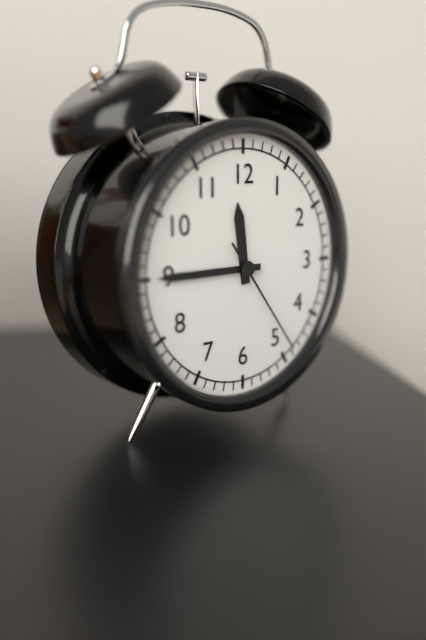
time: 11:45:24
